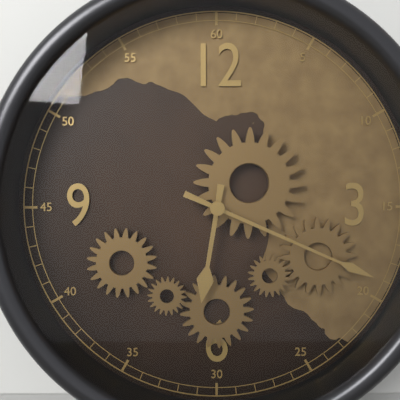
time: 6:19
